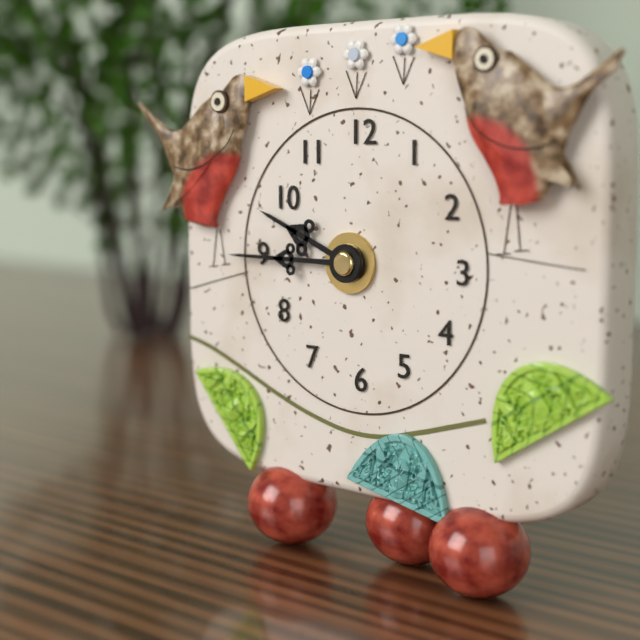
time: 9:45
